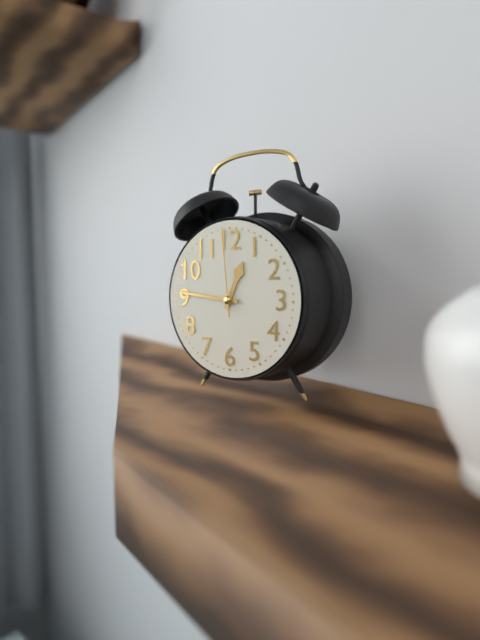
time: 12:46:59
